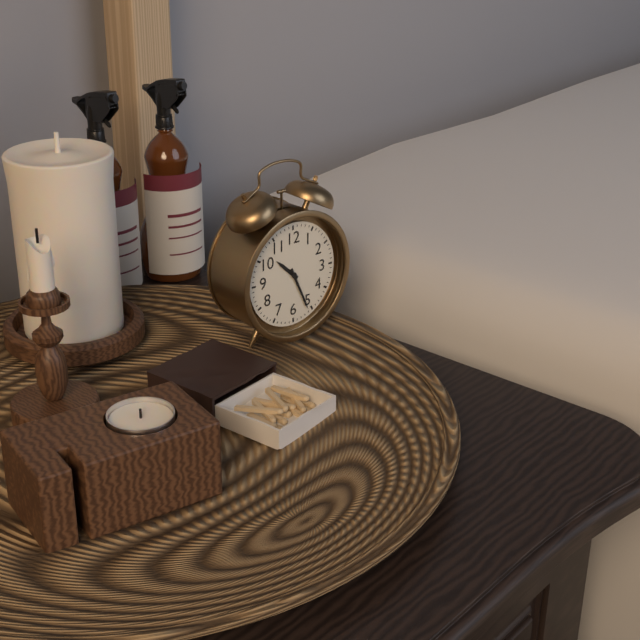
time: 10:26
